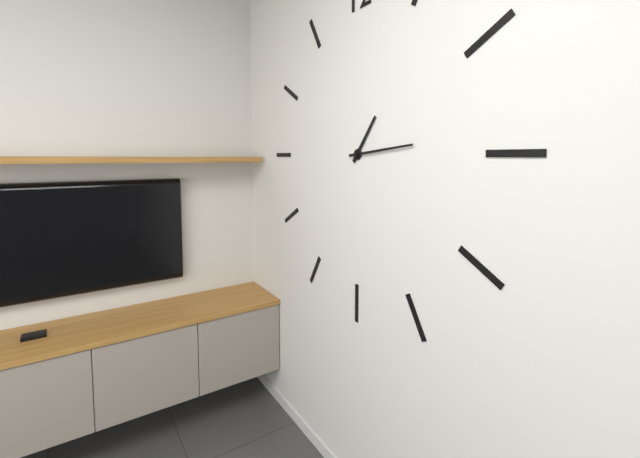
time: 1:14
